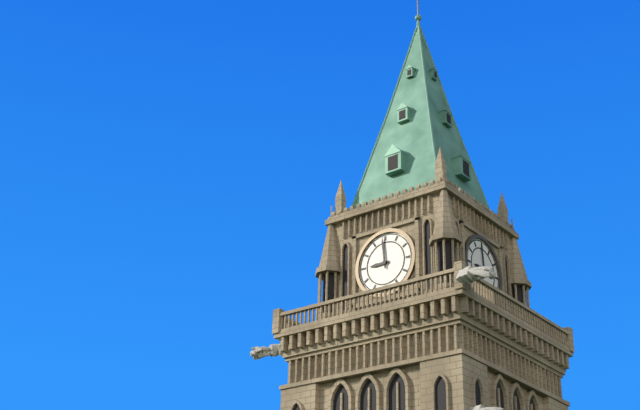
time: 8:59
